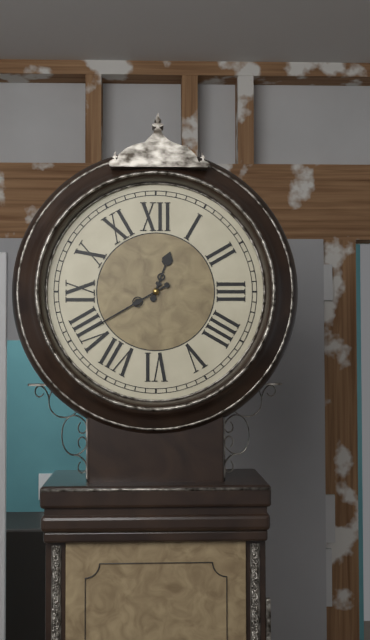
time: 12:40
